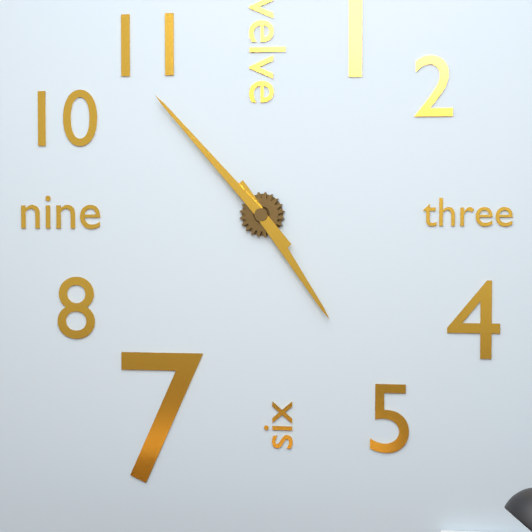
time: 4:53
